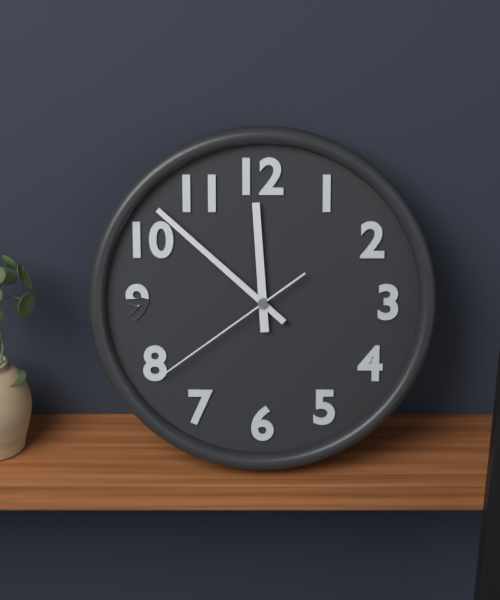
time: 11:52:39
